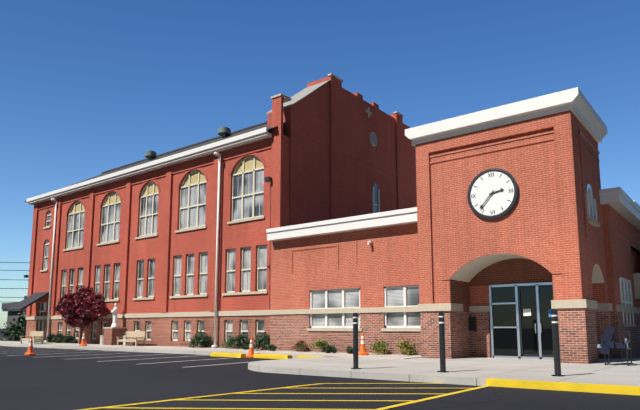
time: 2:37
